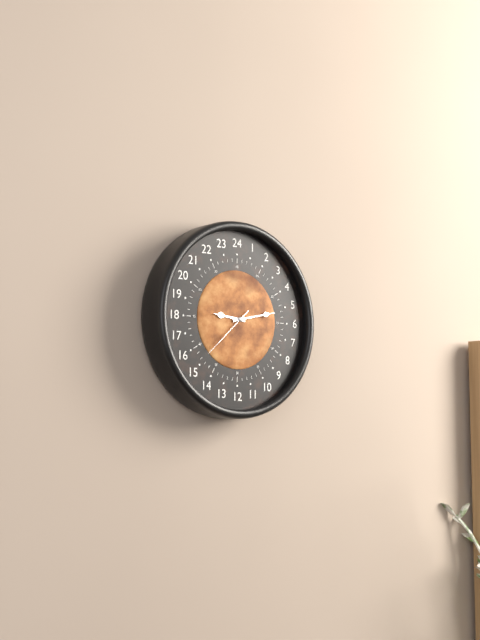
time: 9:13
